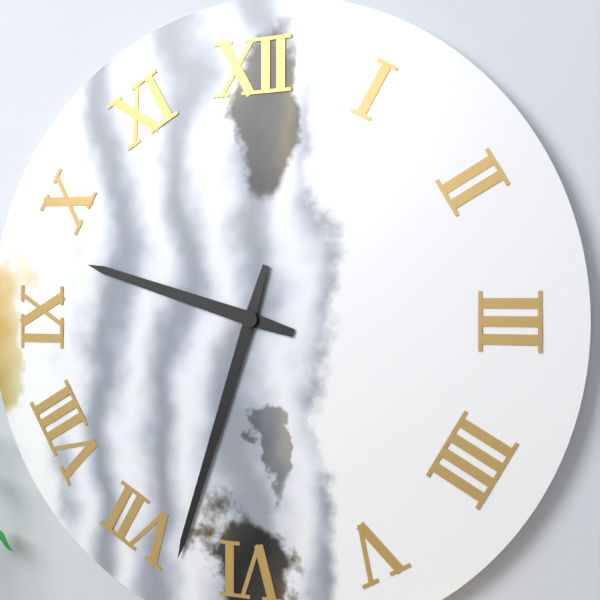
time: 9:33
